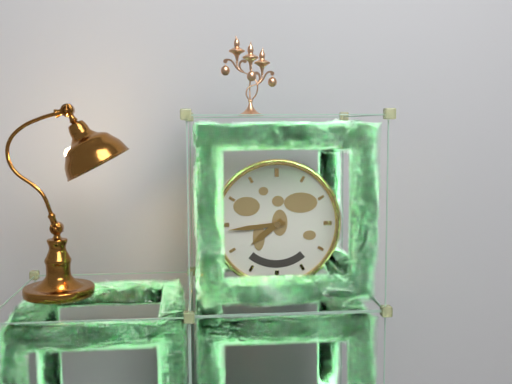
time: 7:44
